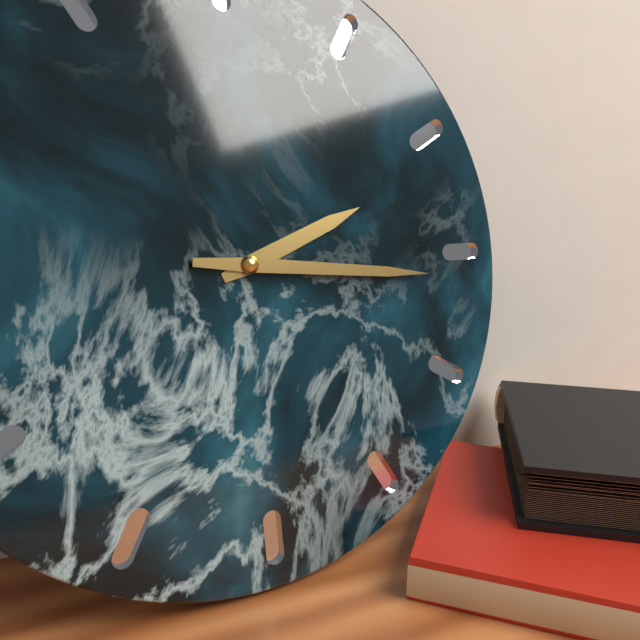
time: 2:16
